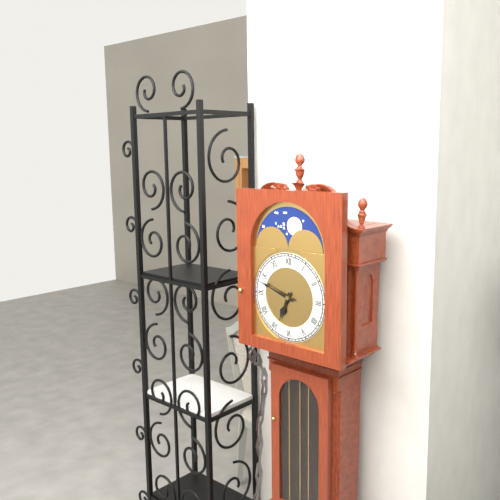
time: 6:48
